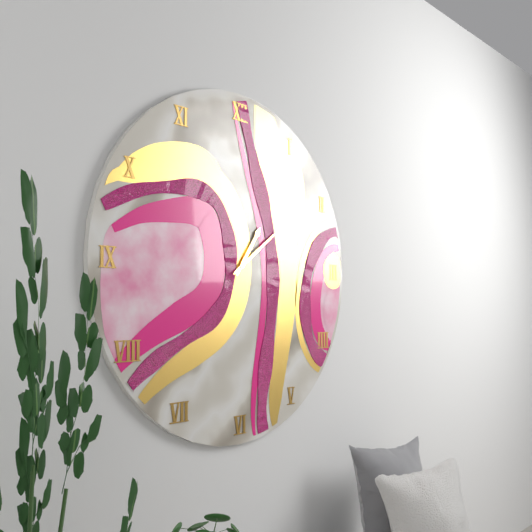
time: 1:09
